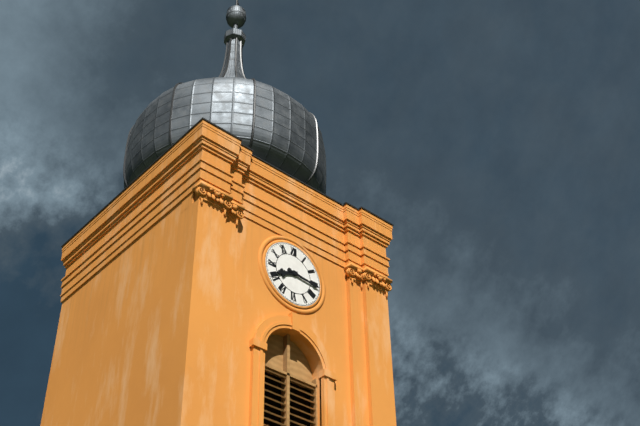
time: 8:16
